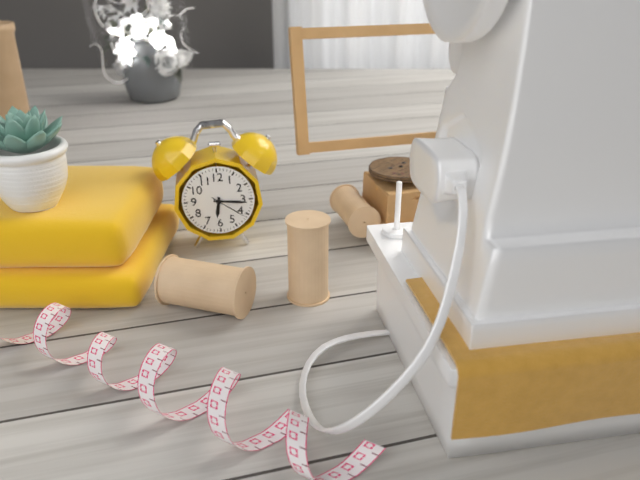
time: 6:16
